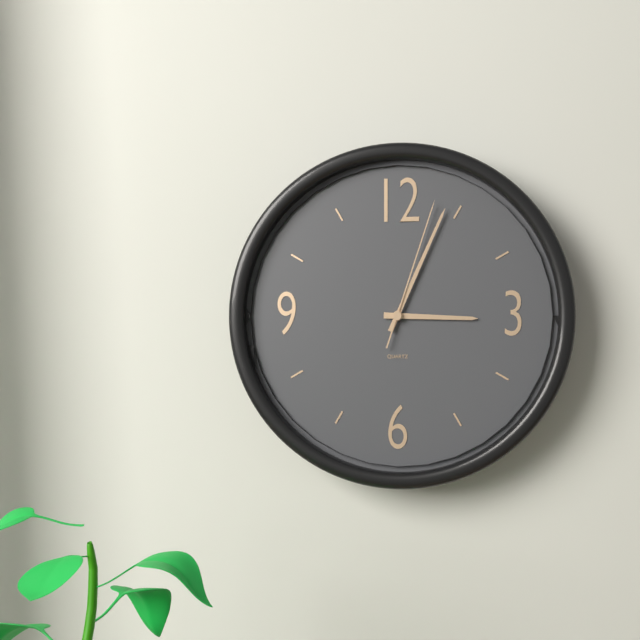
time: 3:04:03
